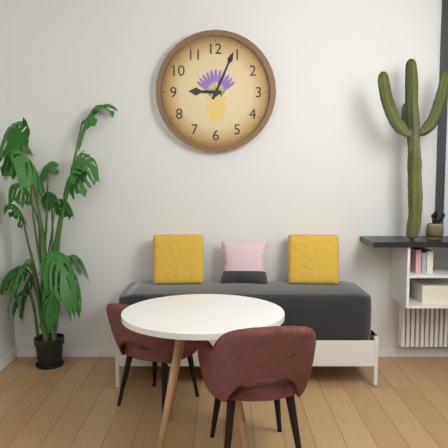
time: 9:04
